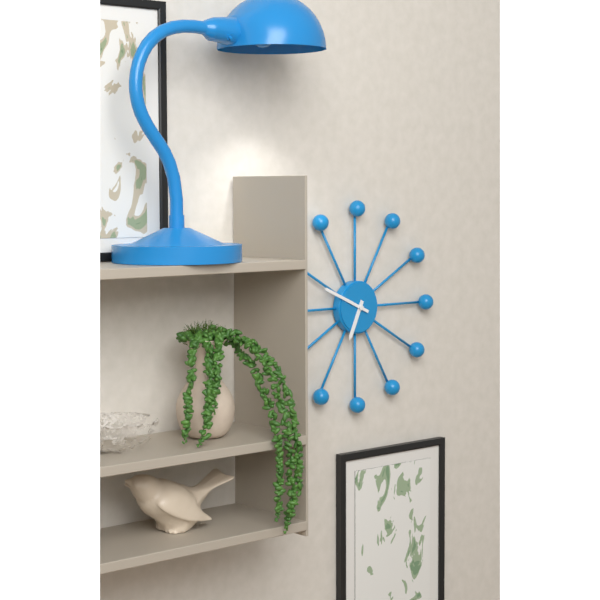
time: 6:49
